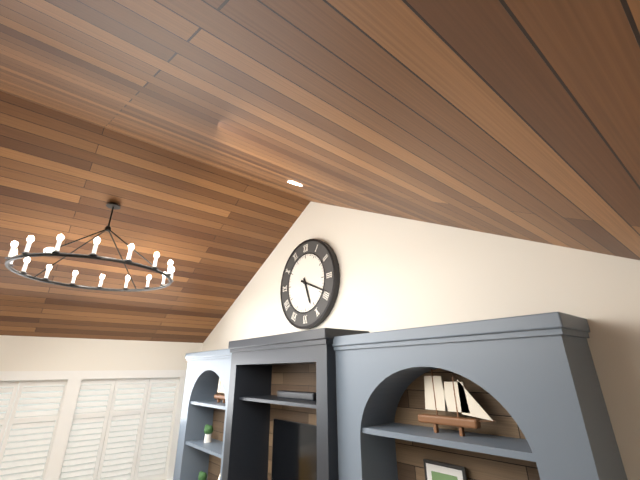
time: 5:19
